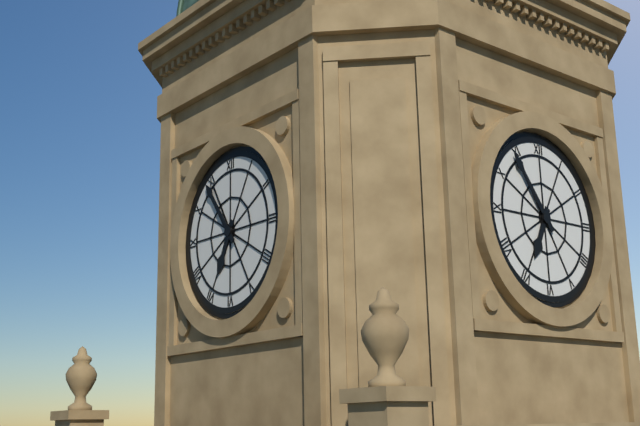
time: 6:54
